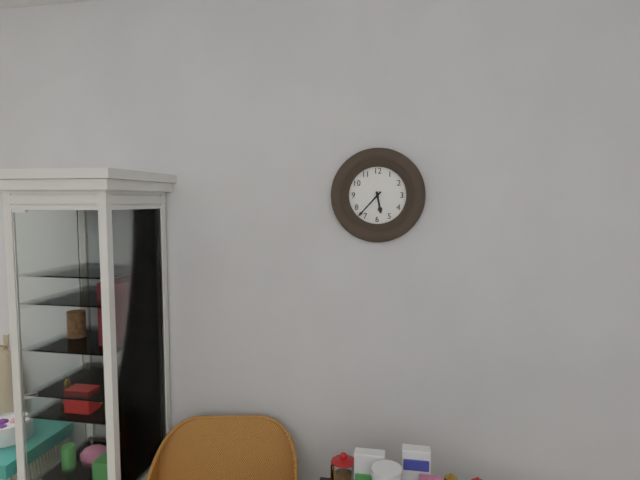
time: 5:37
